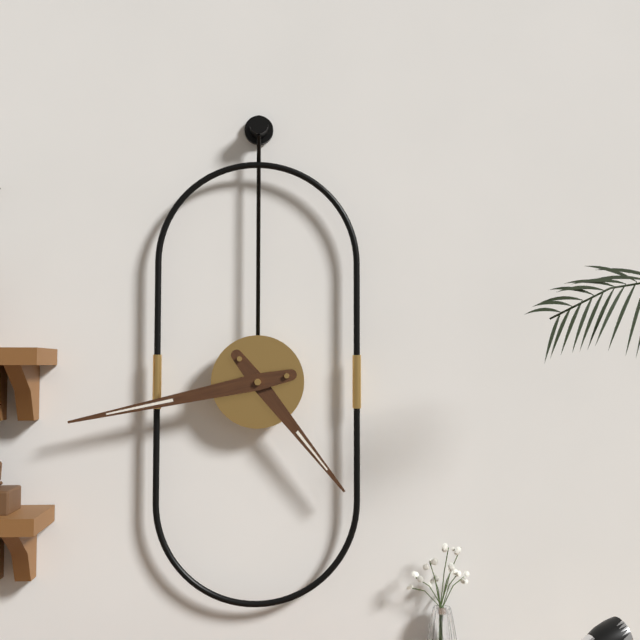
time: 4:43
